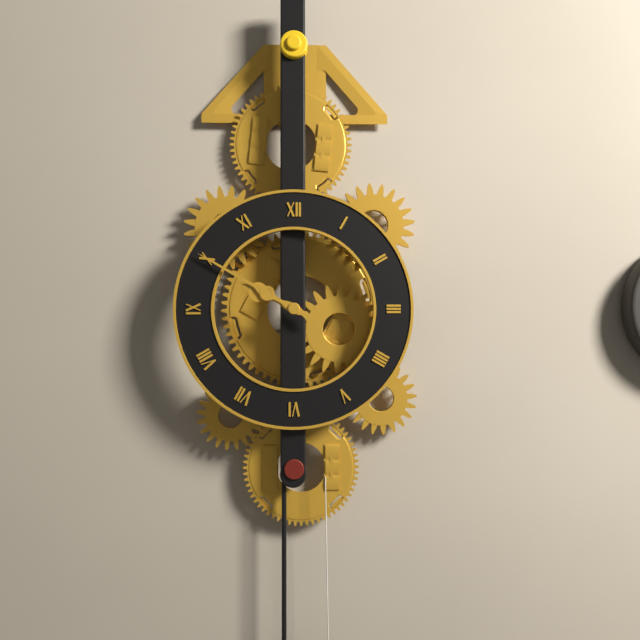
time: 9:50
